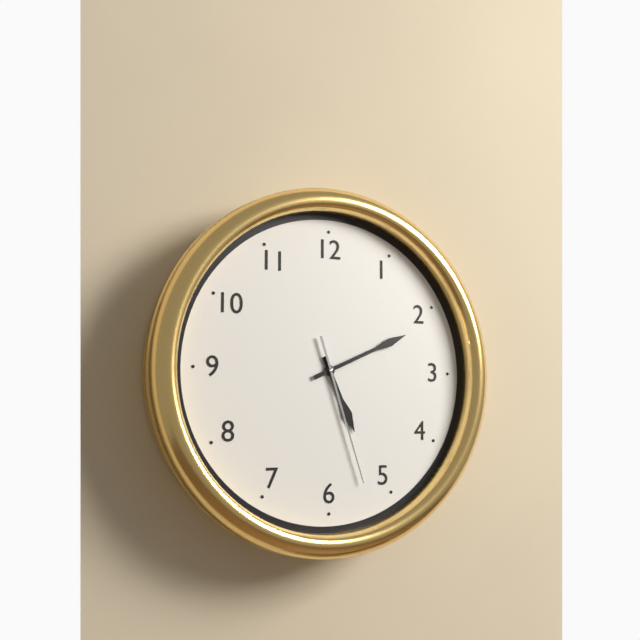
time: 5:11:27
